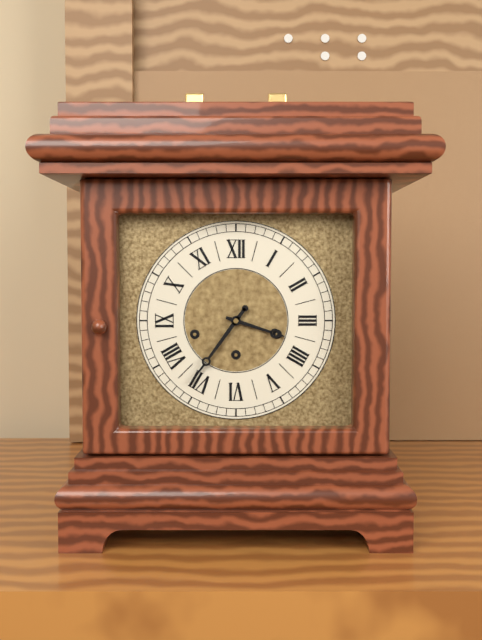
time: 3:36
